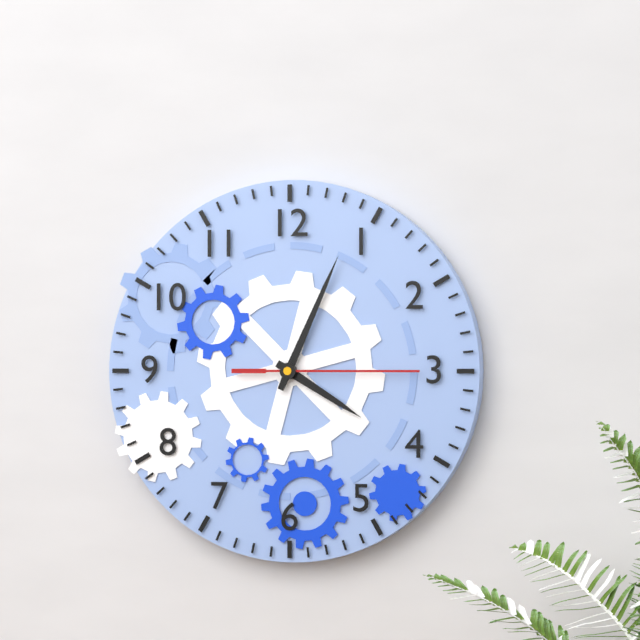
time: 4:04:15
